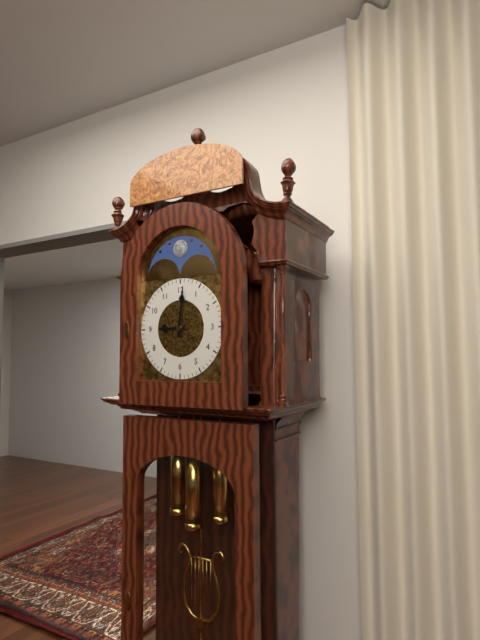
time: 9:01
